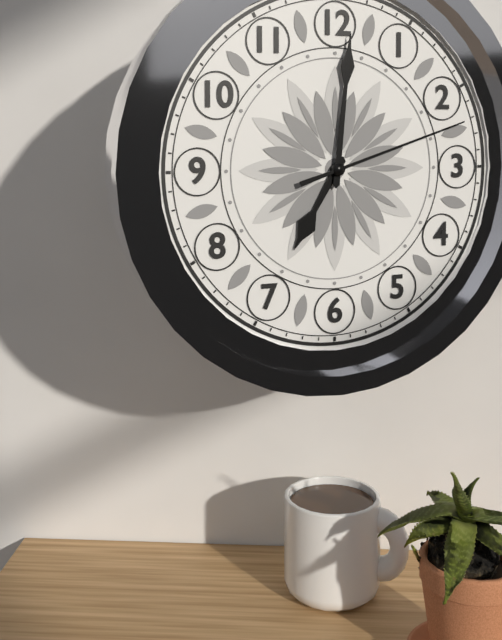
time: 7:01:12
